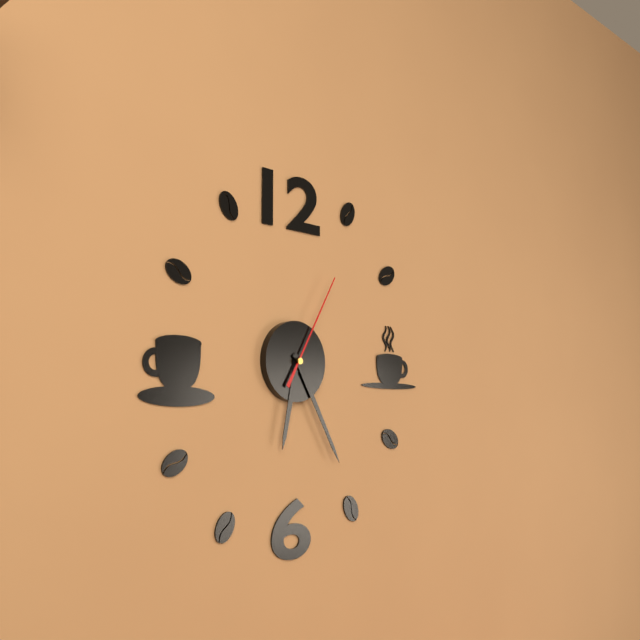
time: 6:25:05
